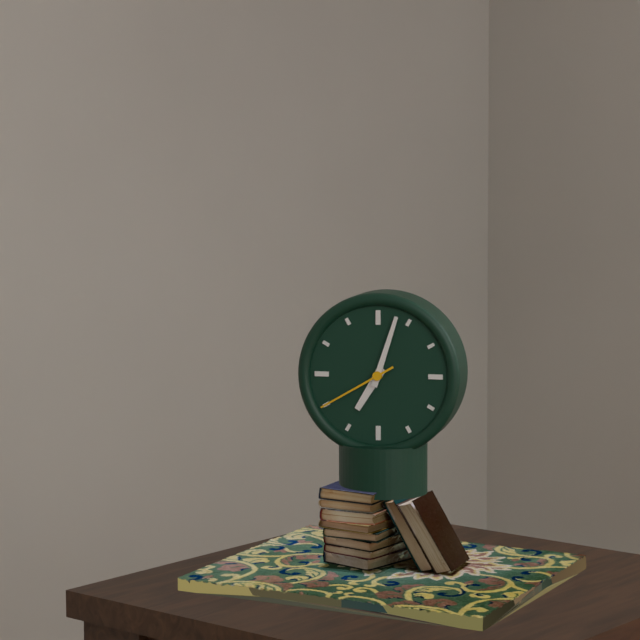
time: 7:03:40
